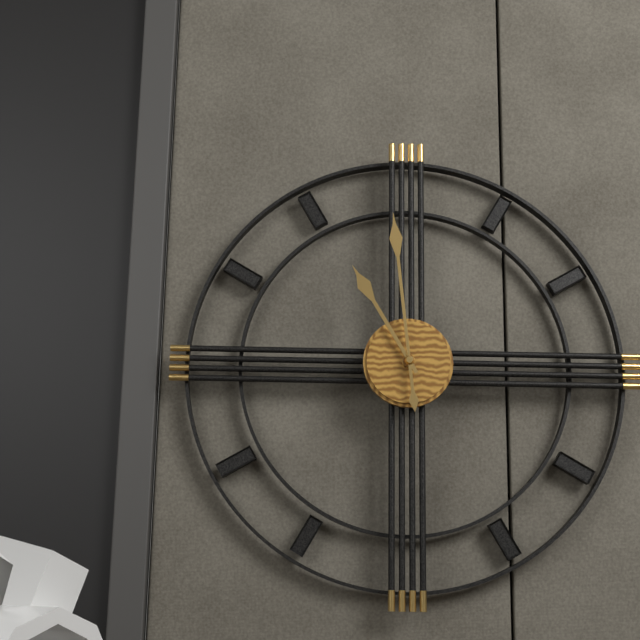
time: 10:59
